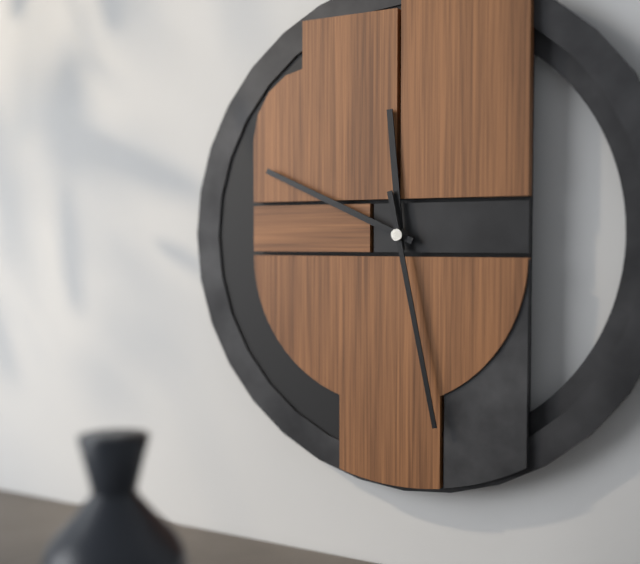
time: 11:49:28
